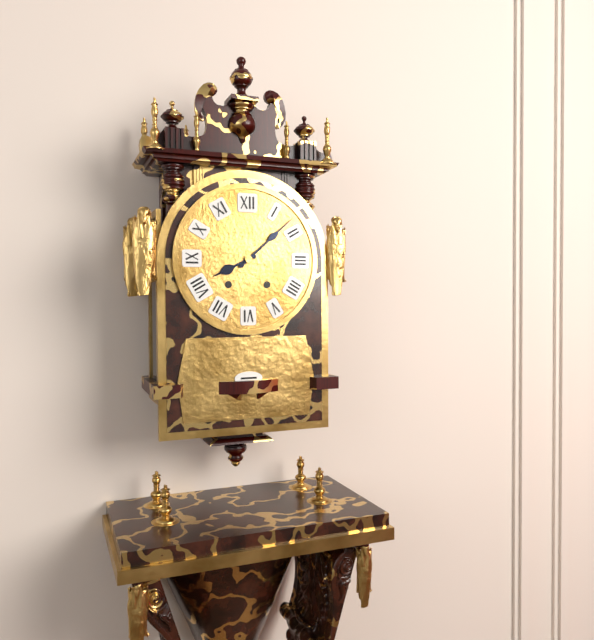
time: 8:08
